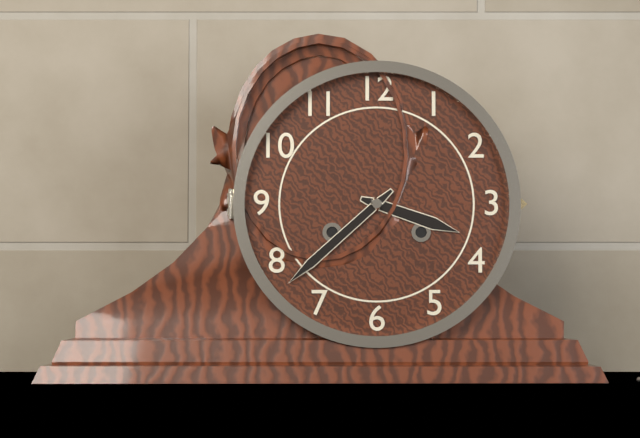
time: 3:38
